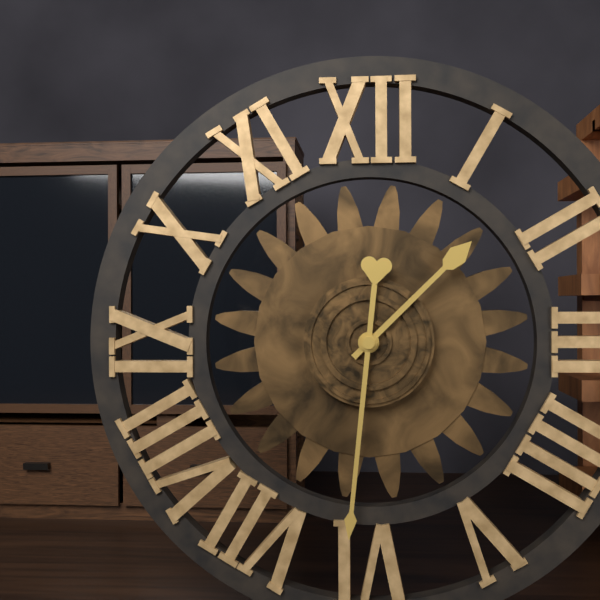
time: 1:31
